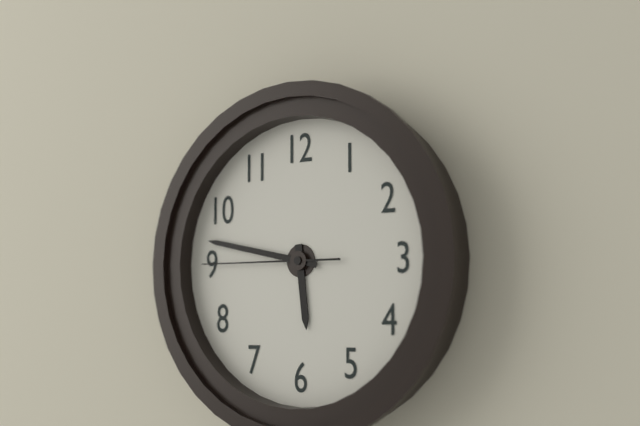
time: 5:47:45
